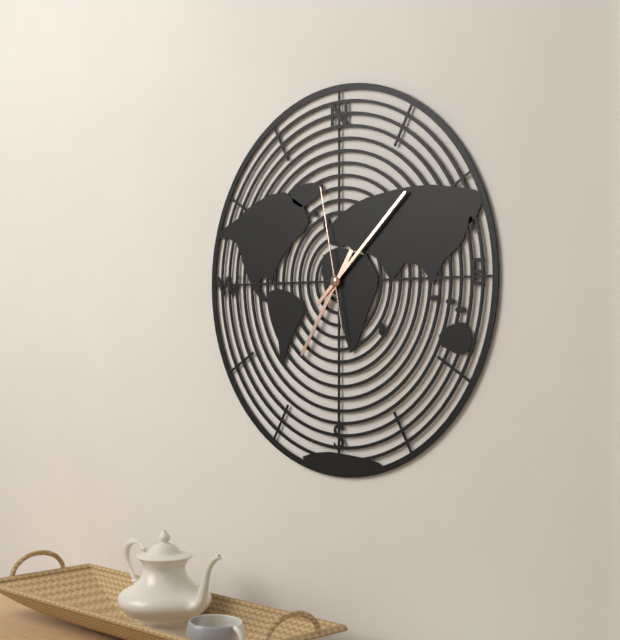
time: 7:08:58
